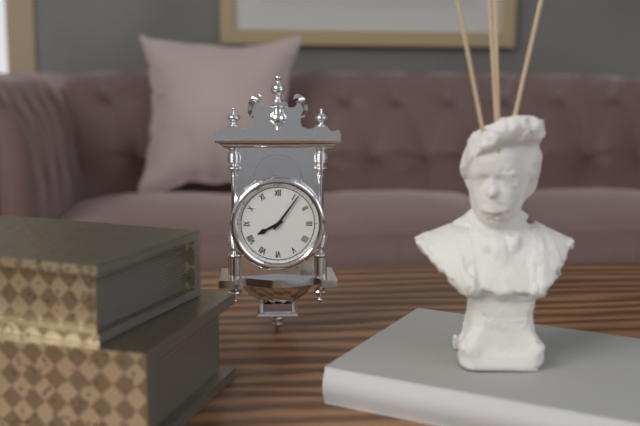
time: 8:06
